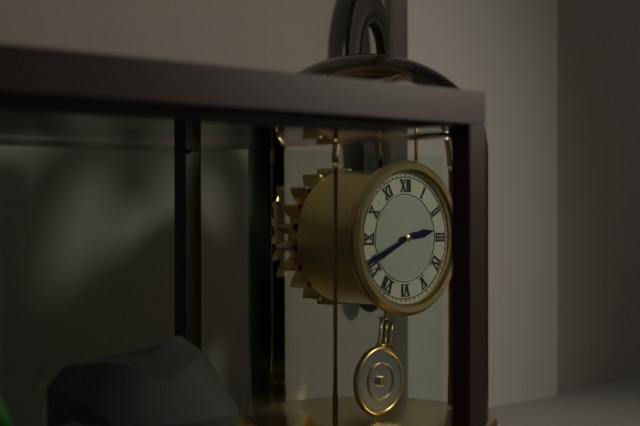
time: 2:41
